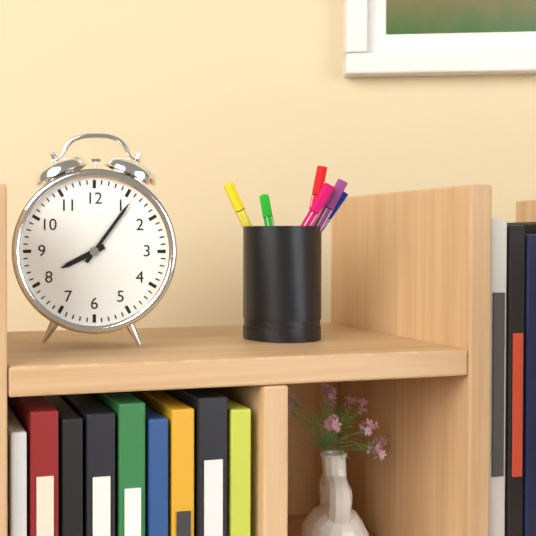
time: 8:06
